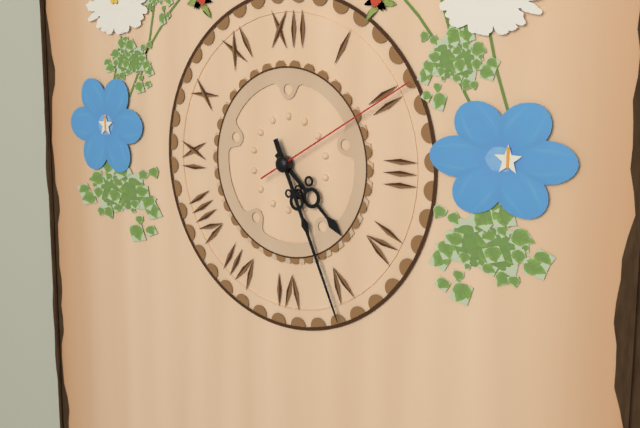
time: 4:26:10
